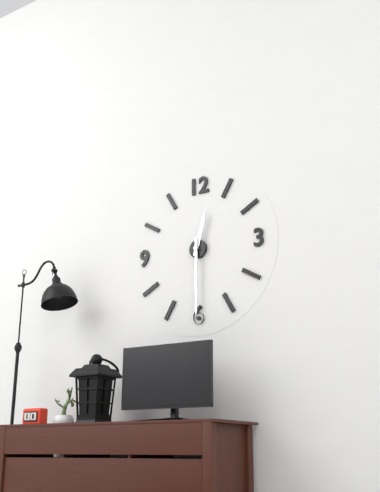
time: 12:30
